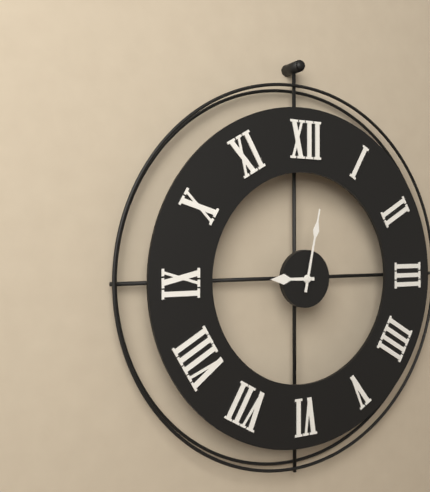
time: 9:02
